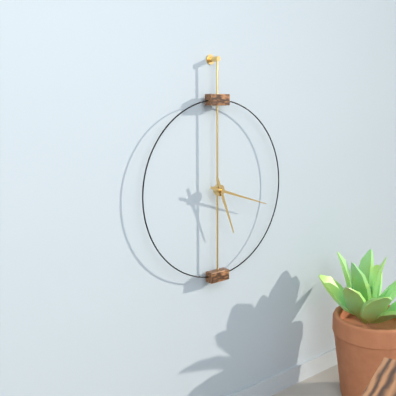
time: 5:18
